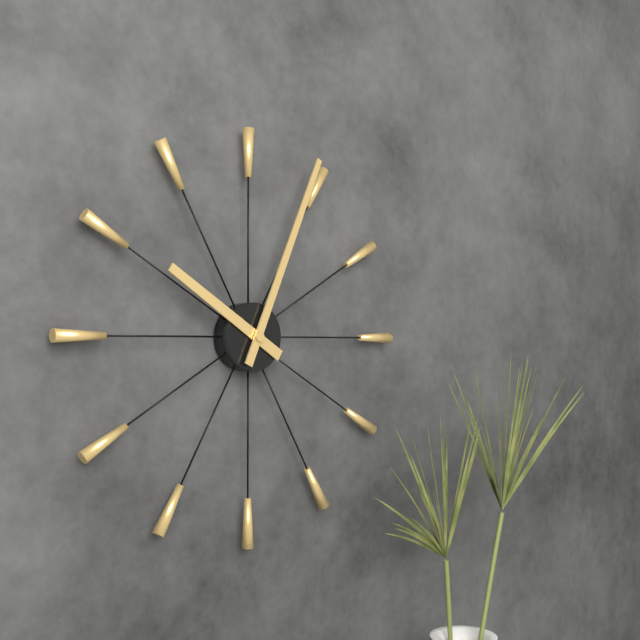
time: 10:04
